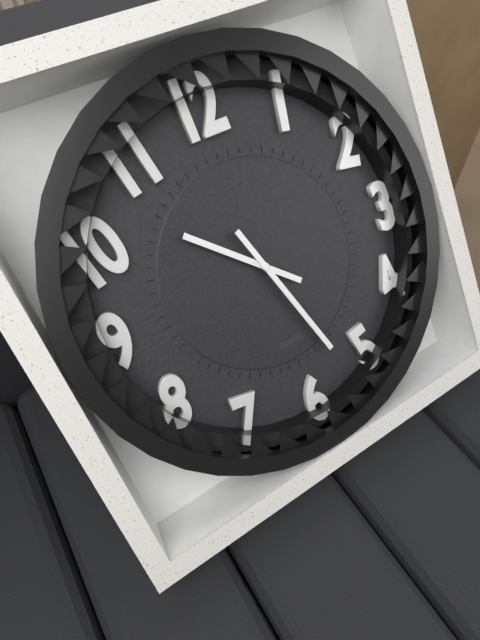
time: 10:27
